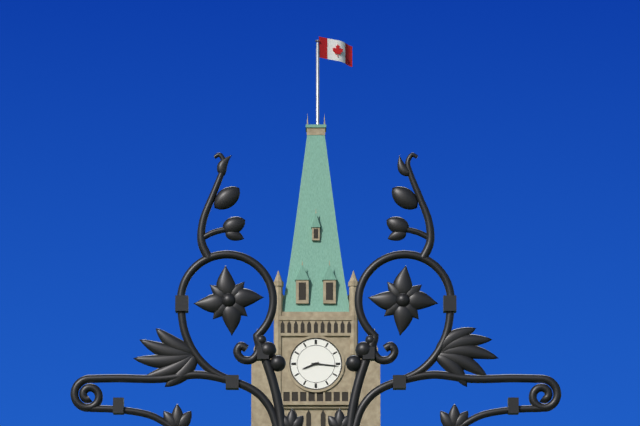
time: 8:16
